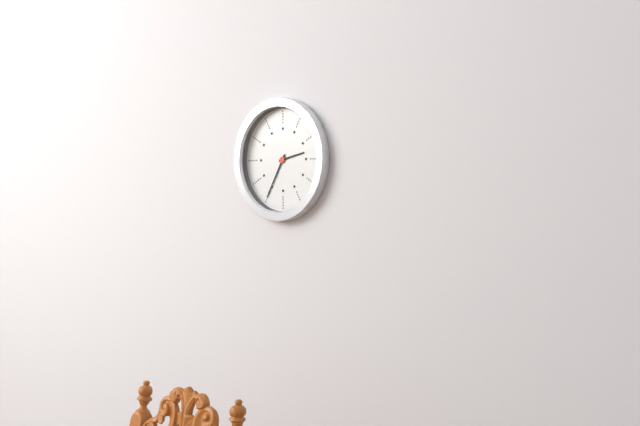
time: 2:35
